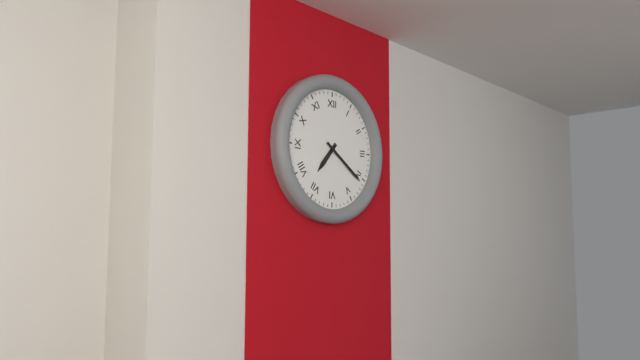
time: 7:21
